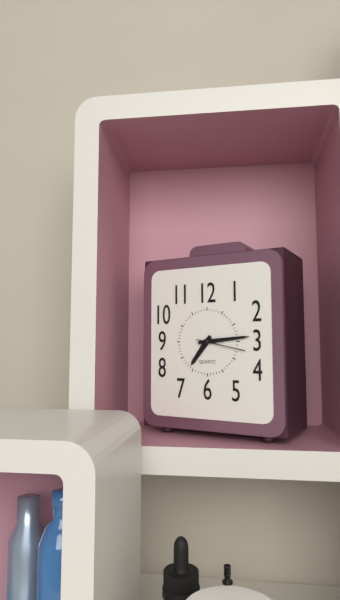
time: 7:14:17
